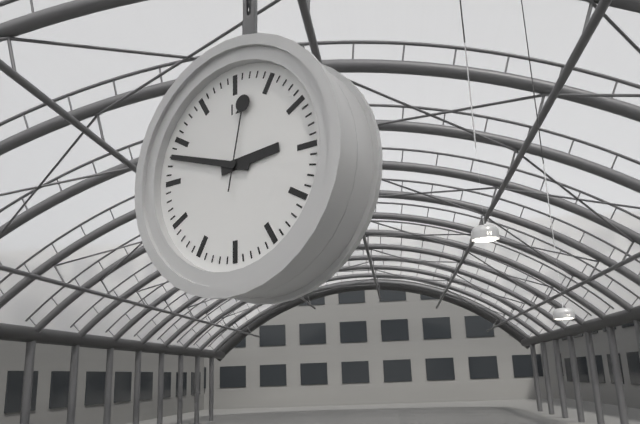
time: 2:48:02
